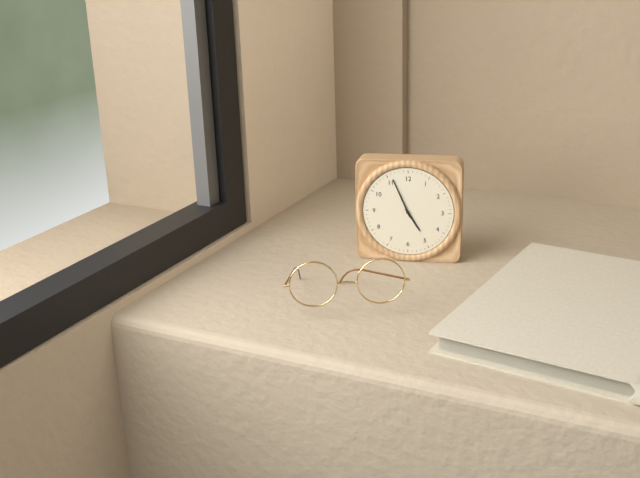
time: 4:56
